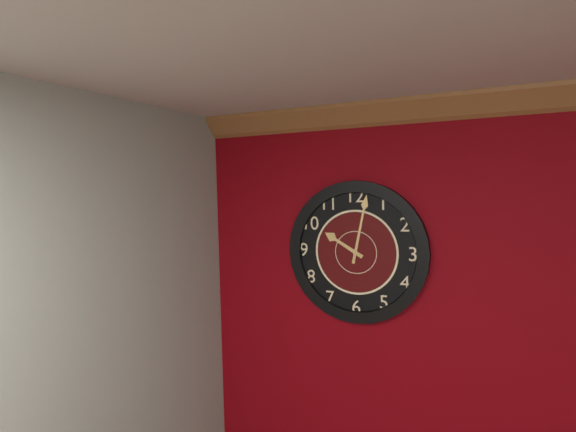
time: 10:02
